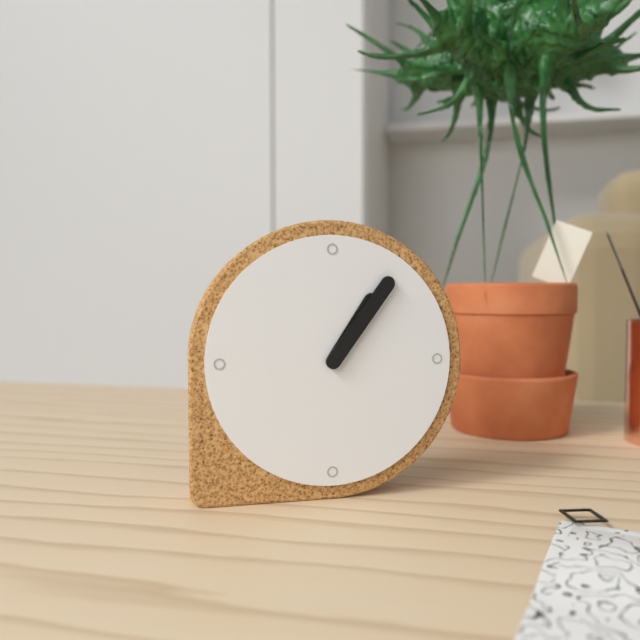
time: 1:06
